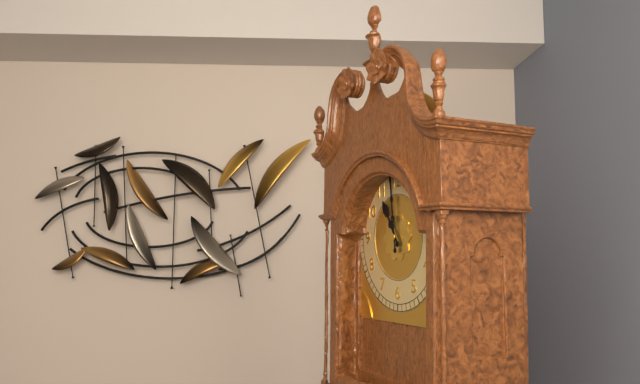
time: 10:59
